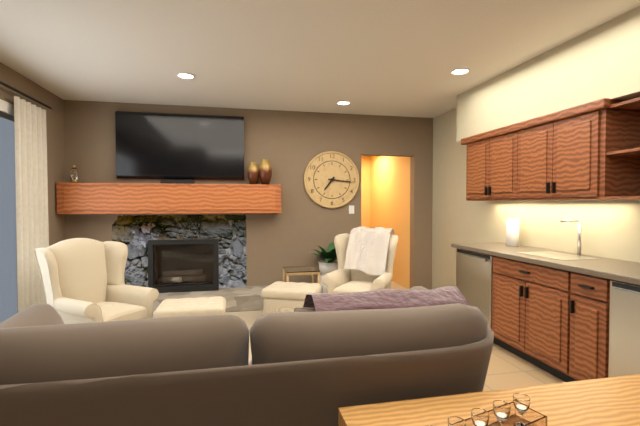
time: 7:16
